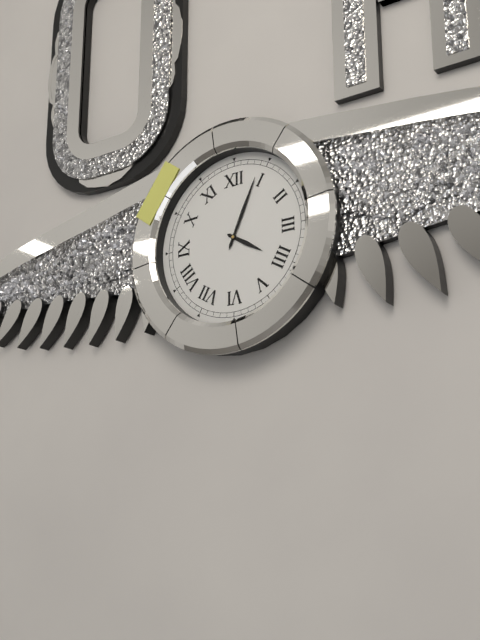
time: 4:04
